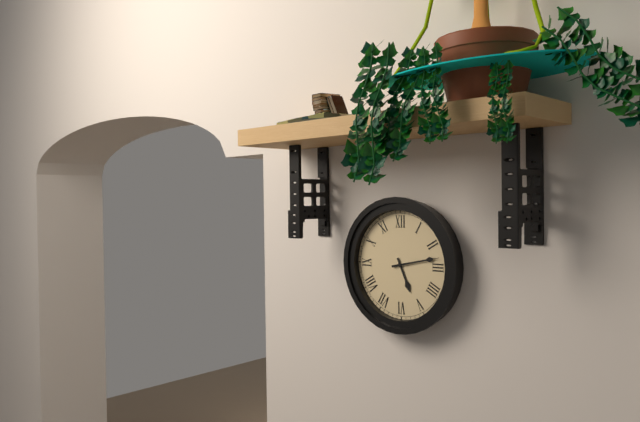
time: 5:13
